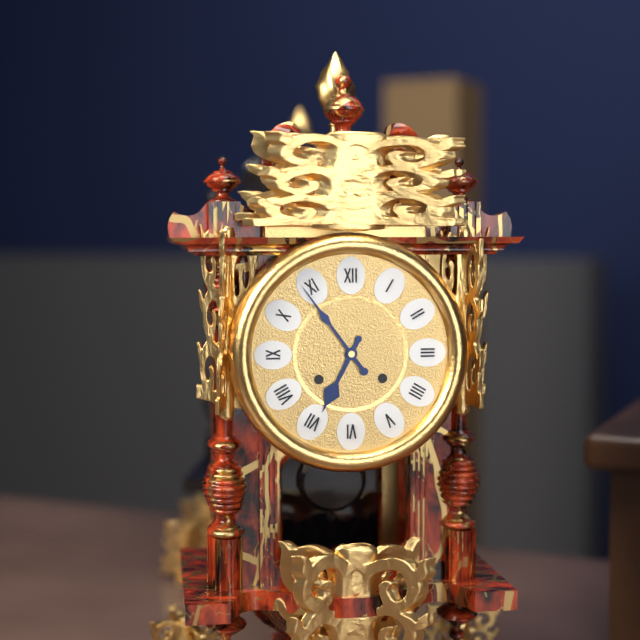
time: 6:54
